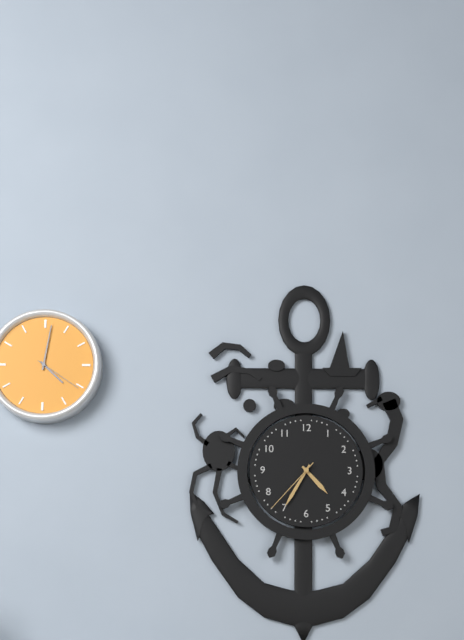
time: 4:35:37
